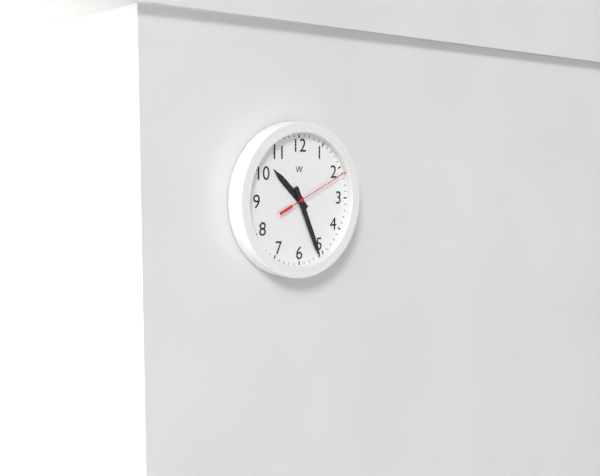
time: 10:26:11
